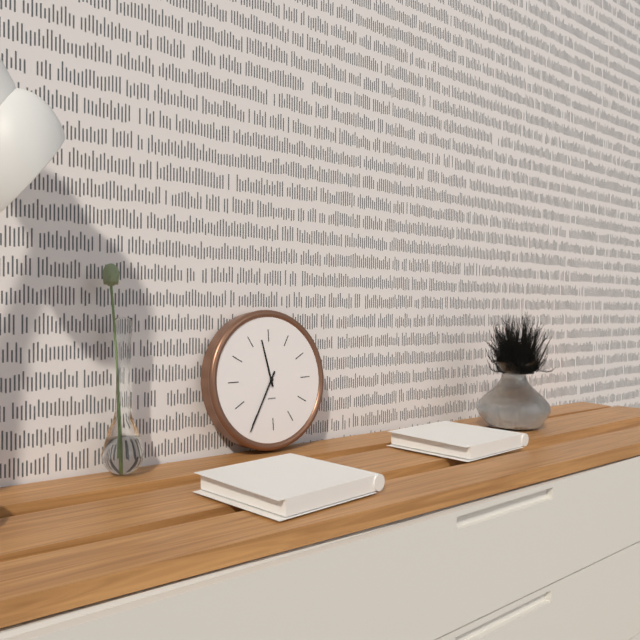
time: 11:35
